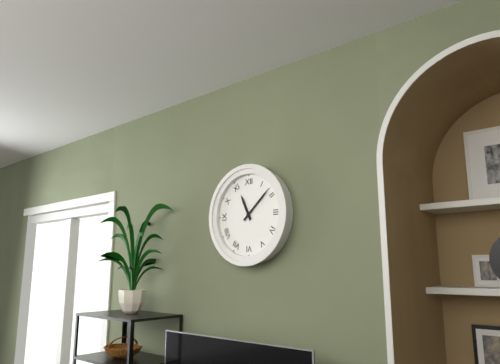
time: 11:08
